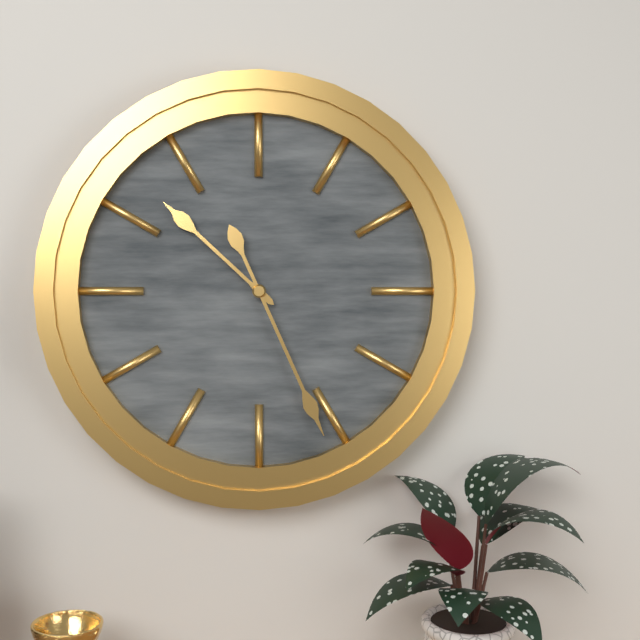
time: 10:26
